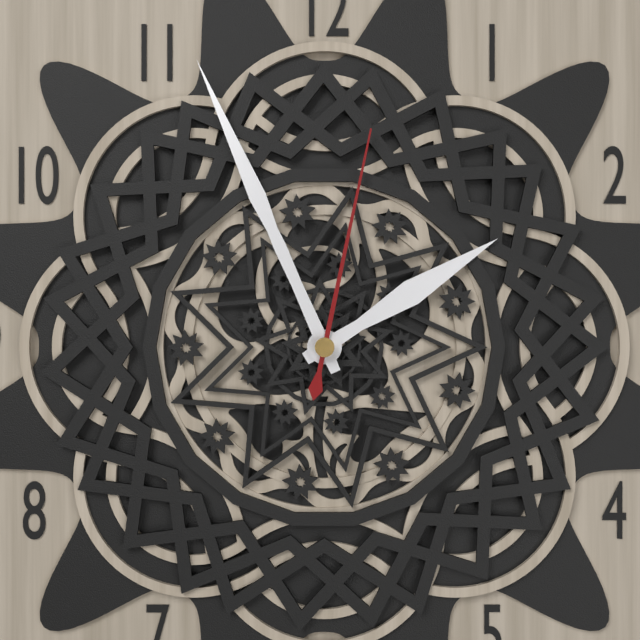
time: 1:56:02
